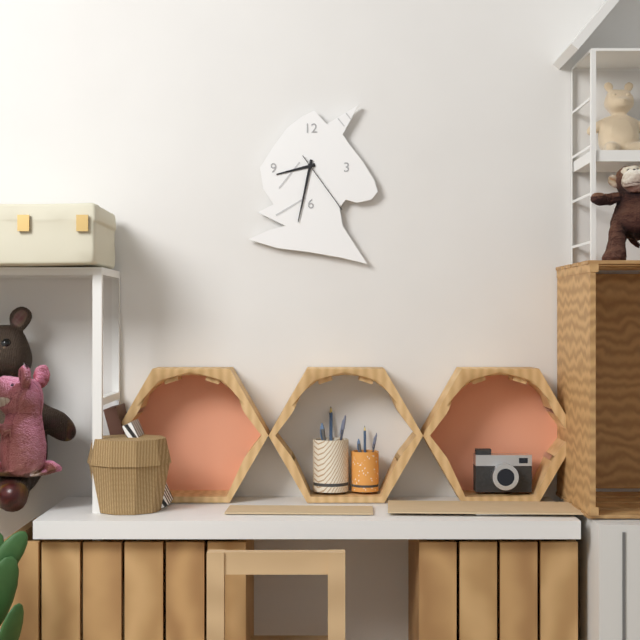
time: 8:32:24
